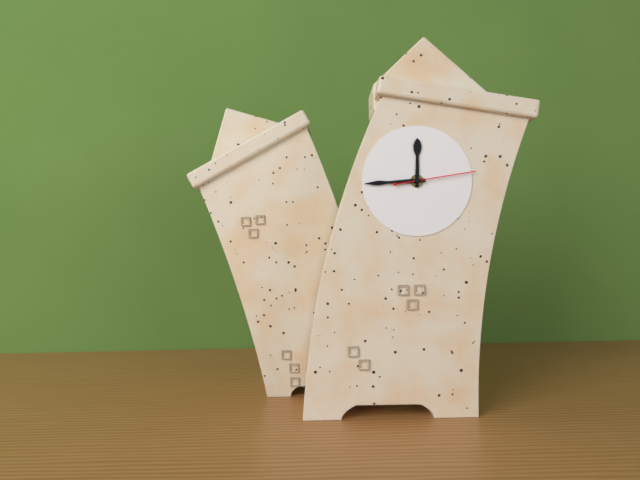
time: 11:43:12
